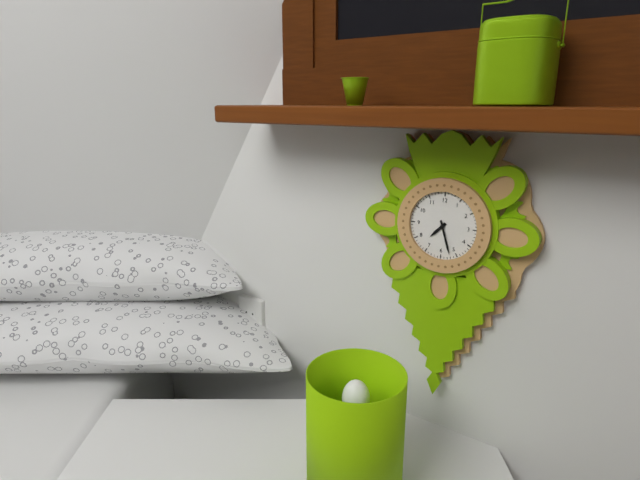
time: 7:27
